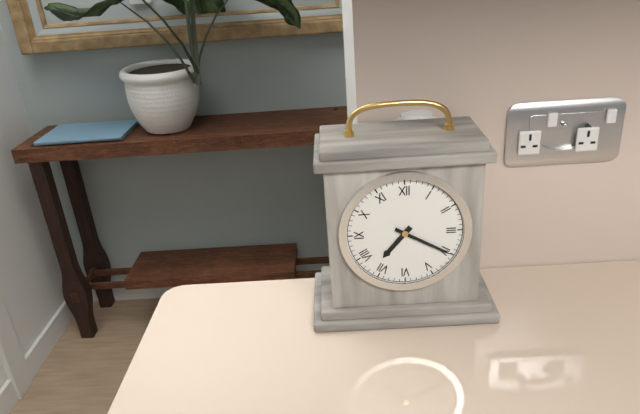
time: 7:20
